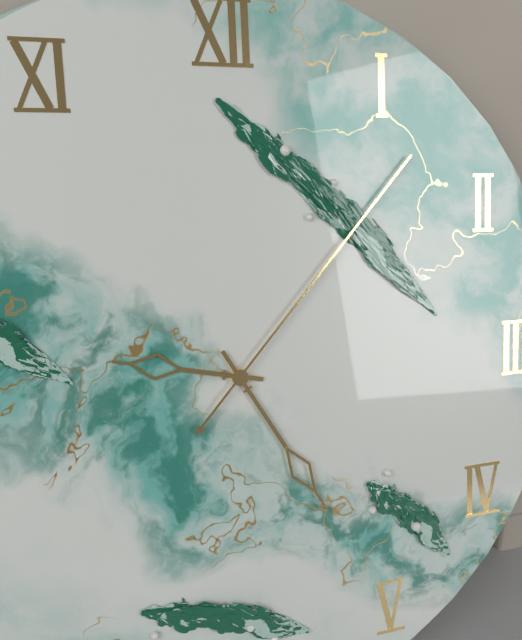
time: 9:25:07
